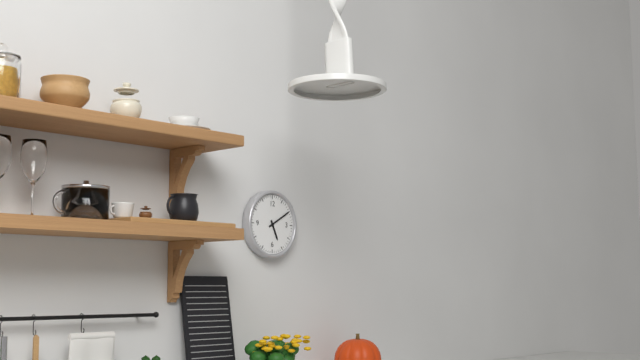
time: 5:10
